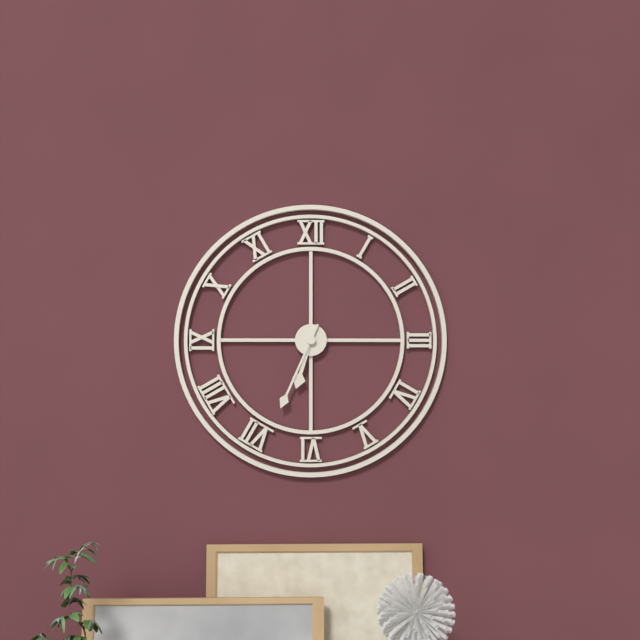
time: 6:34
